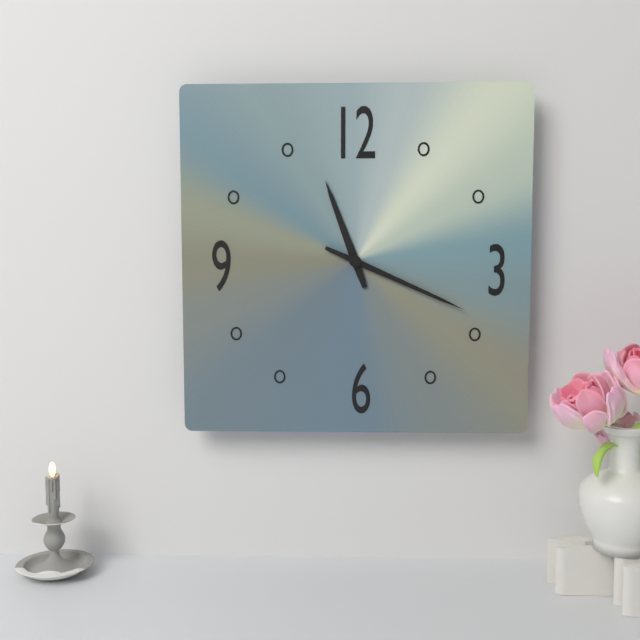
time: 11:19
